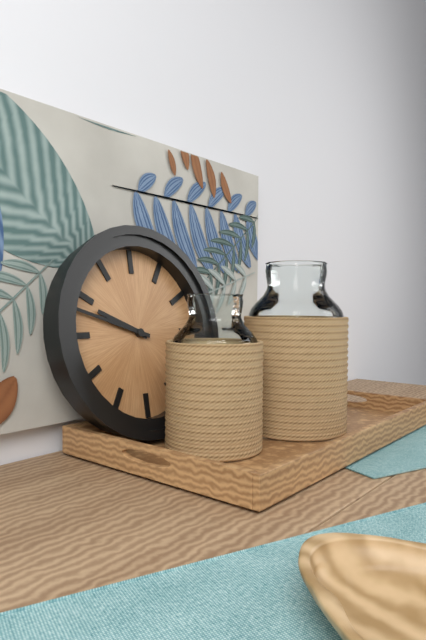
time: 9:48
